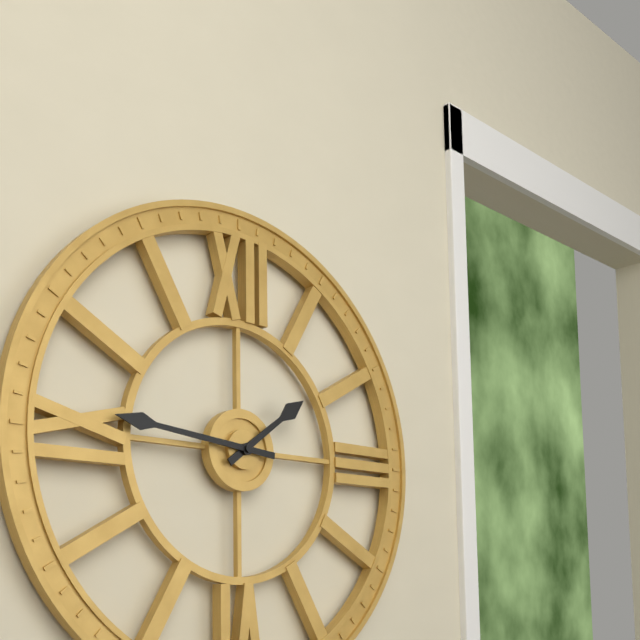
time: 1:46
